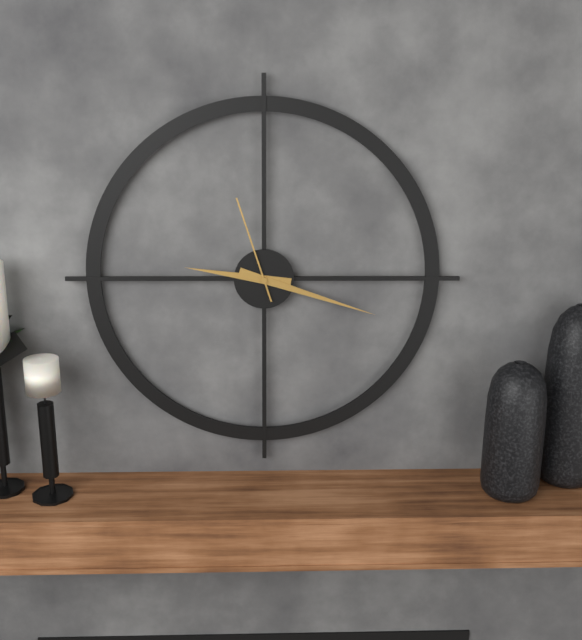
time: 9:18:57
